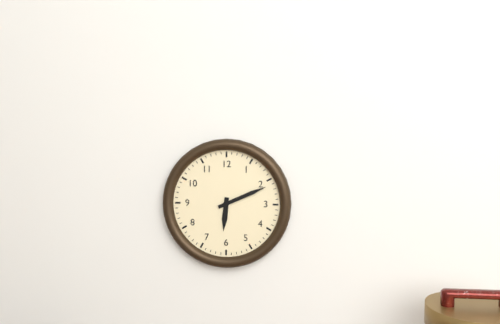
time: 6:11
